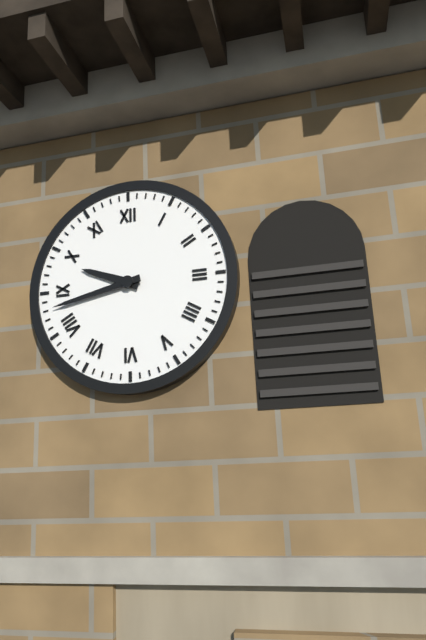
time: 9:43
